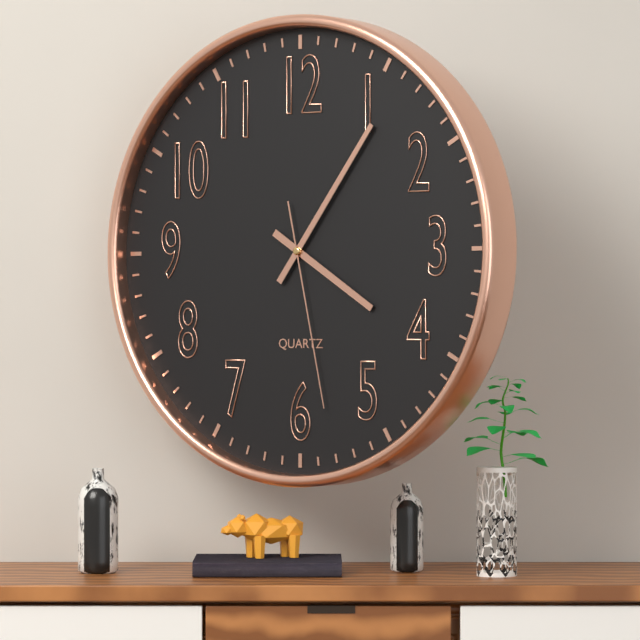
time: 4:06:28
